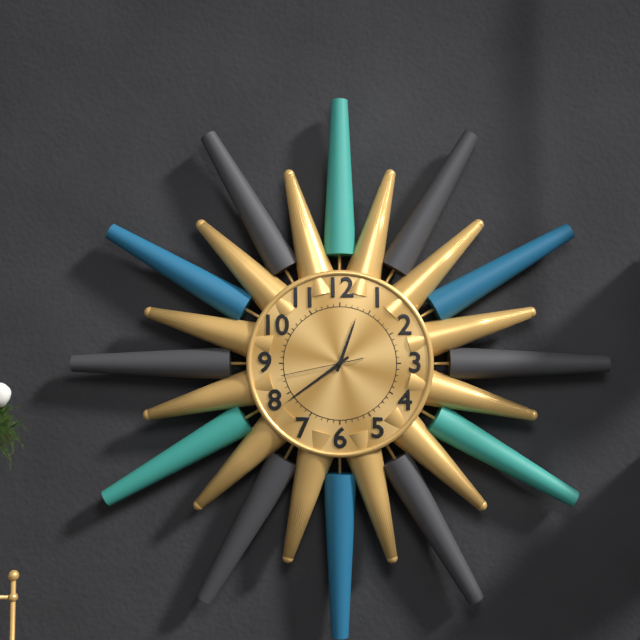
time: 12:39:43
